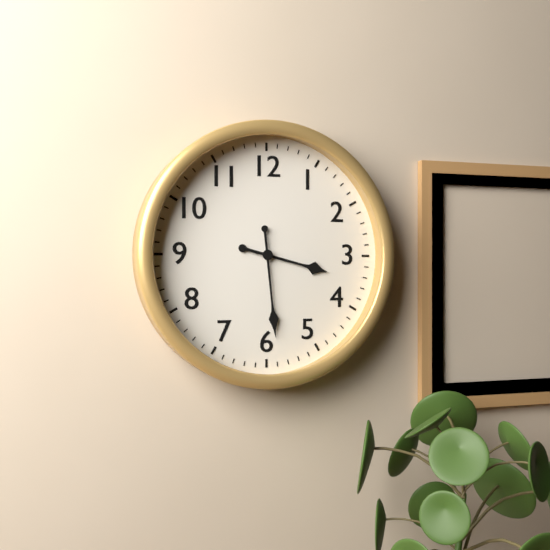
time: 3:29
